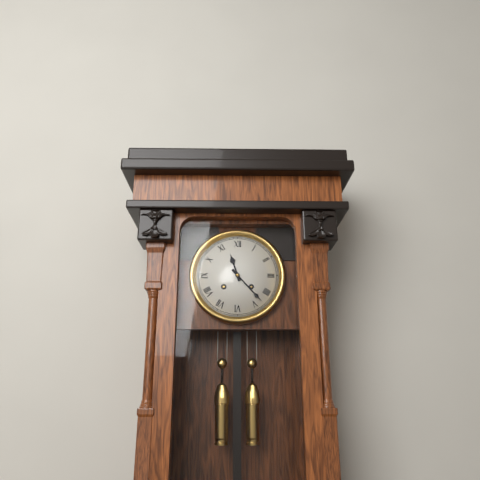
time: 11:23
